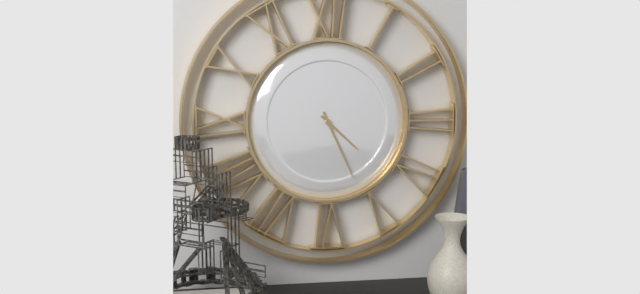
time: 4:26
